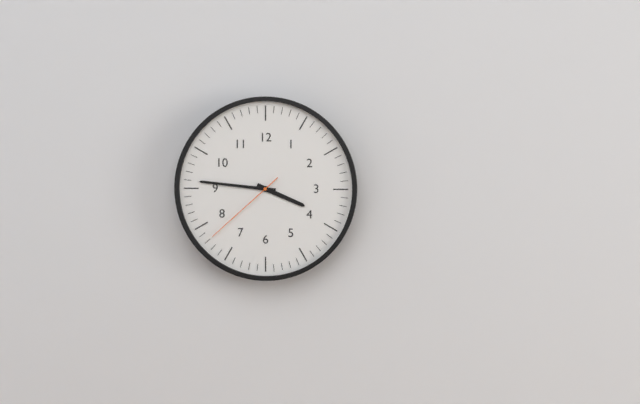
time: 3:46:38
